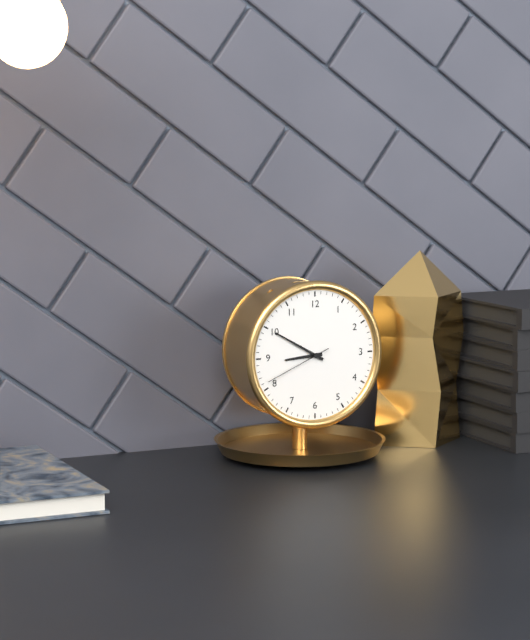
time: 8:50:41
